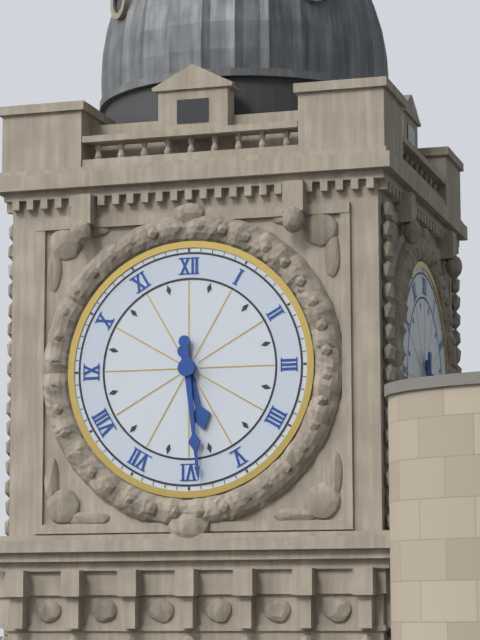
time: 5:29
